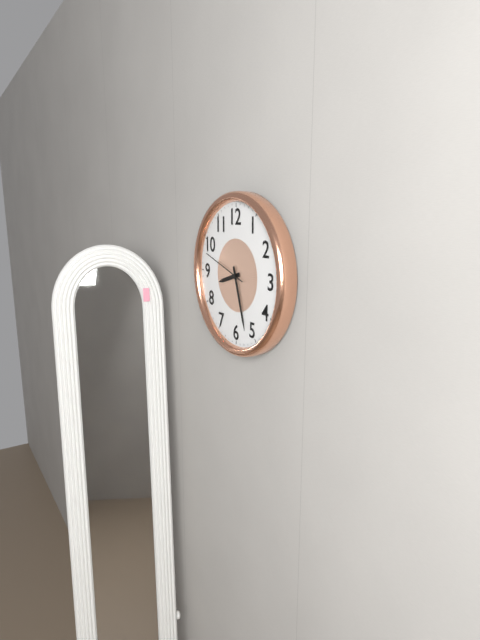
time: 8:27
